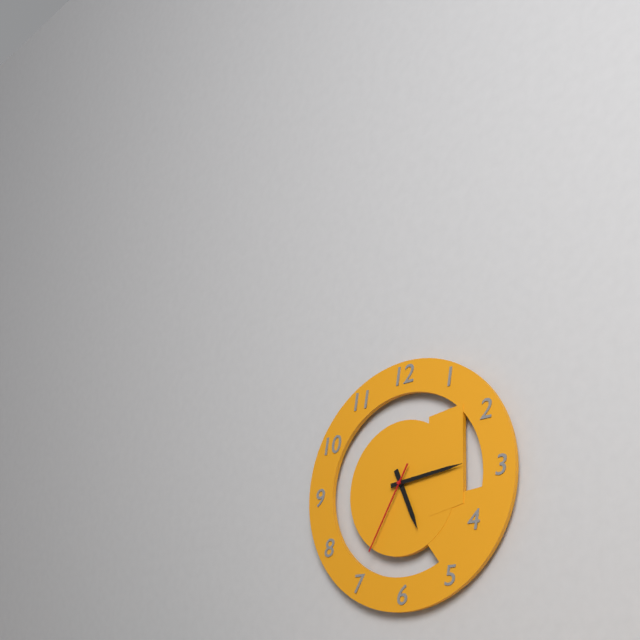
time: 5:14:35
